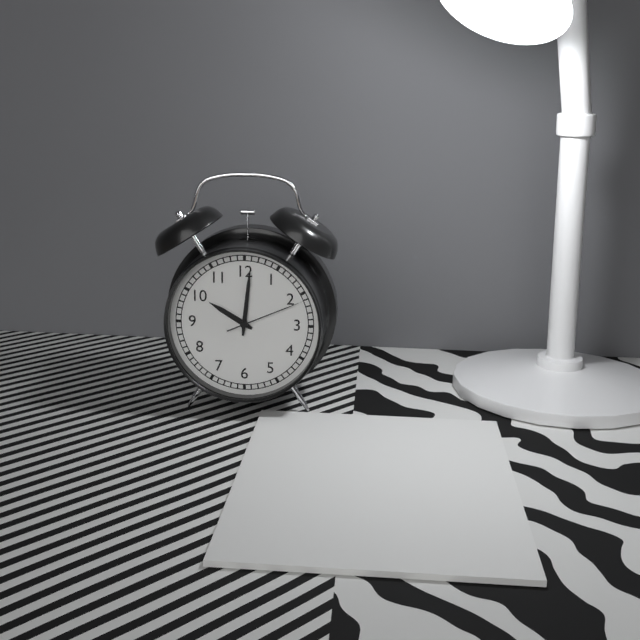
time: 10:01:11
